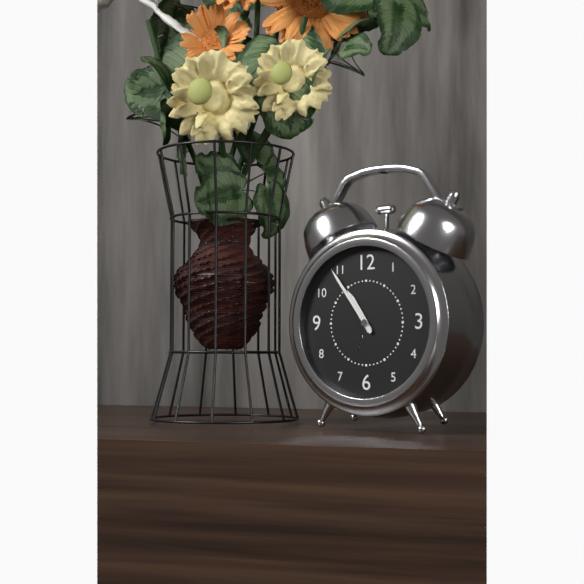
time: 10:54
